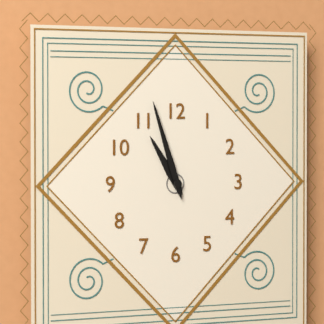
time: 10:57
